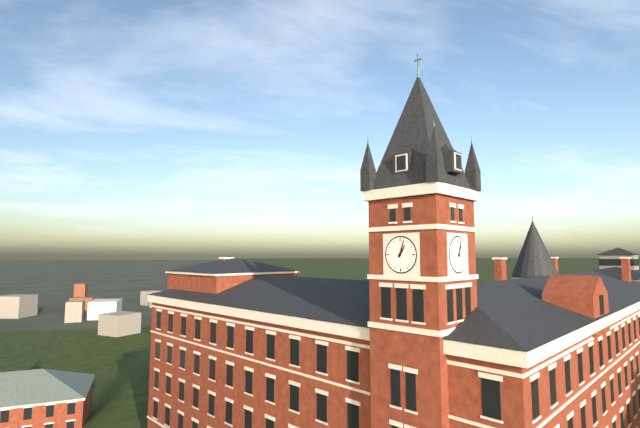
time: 1:03
